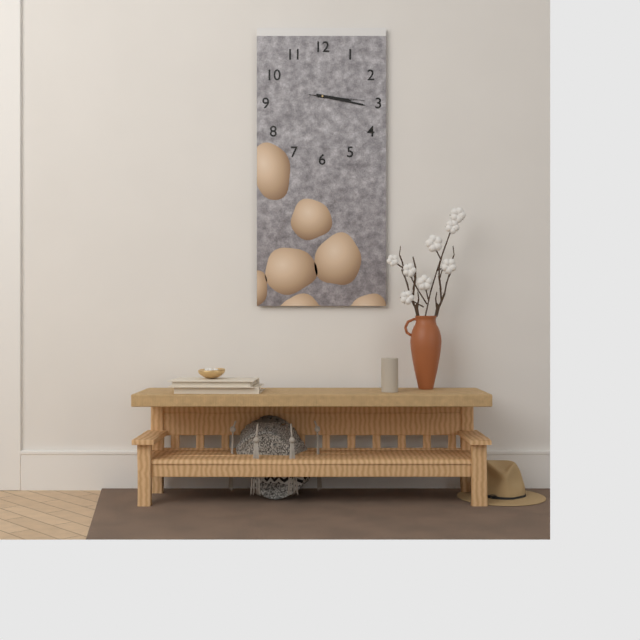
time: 3:17:16
